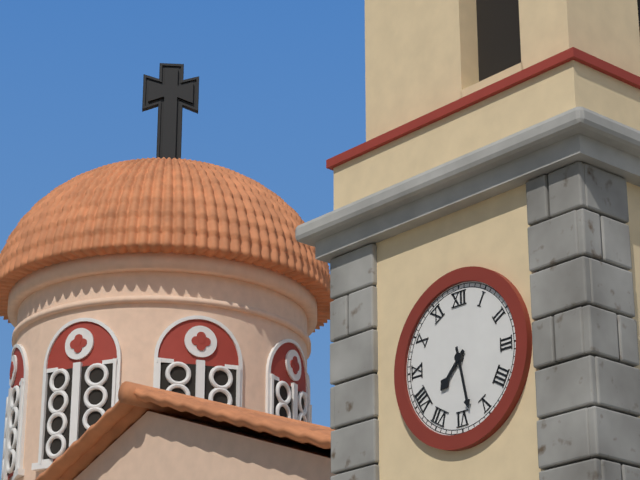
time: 7:28
